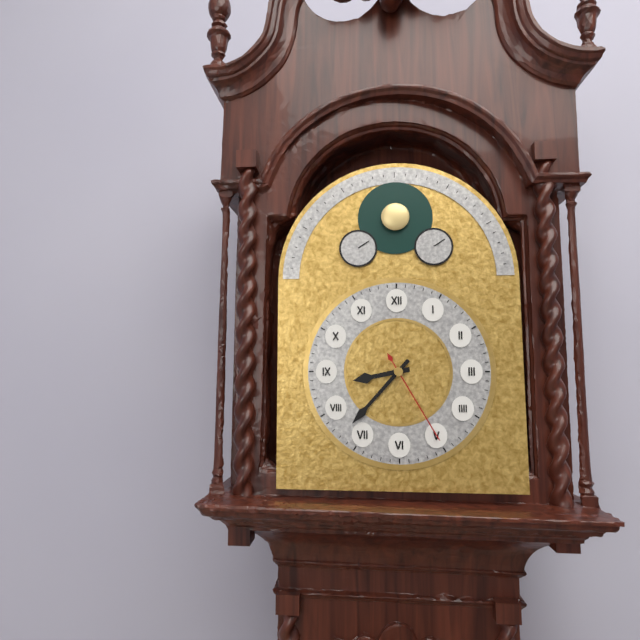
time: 8:37:25
